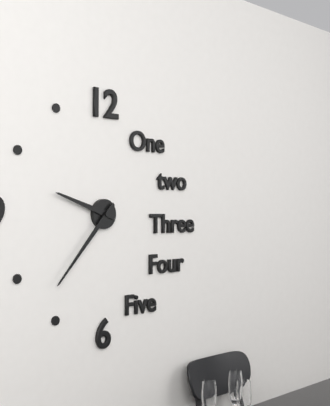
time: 9:37
